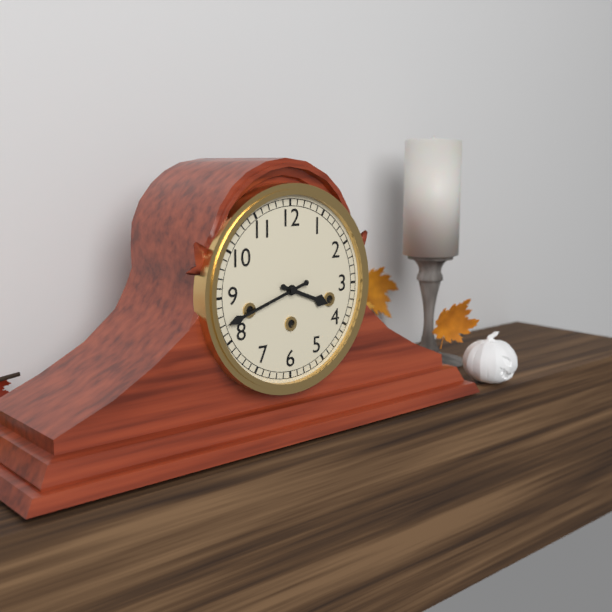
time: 3:42
